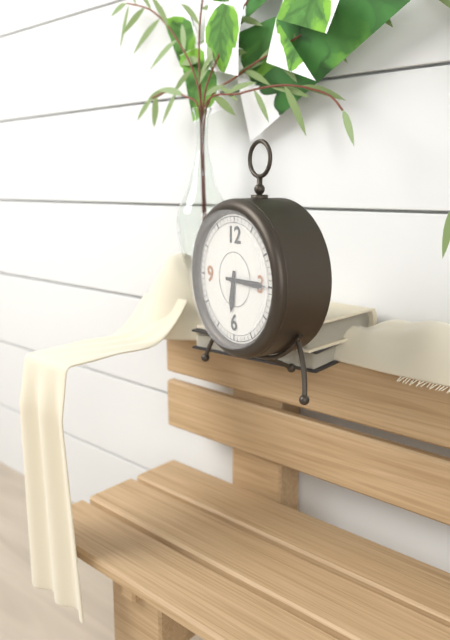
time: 6:15
